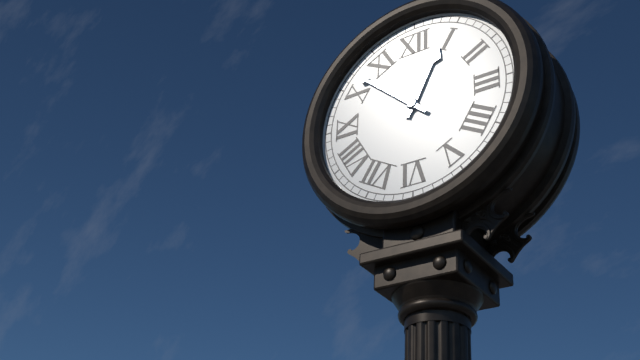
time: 12:52
